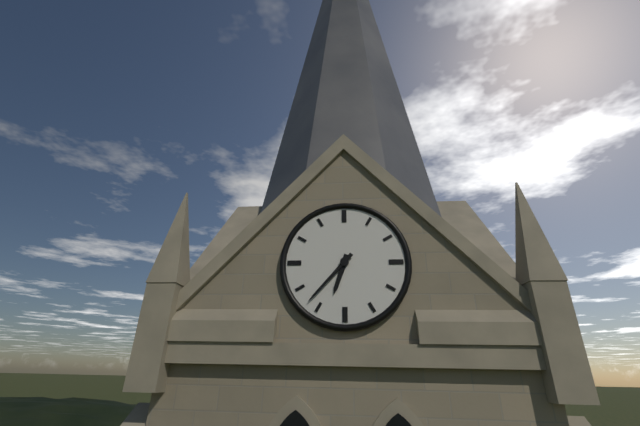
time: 6:37
